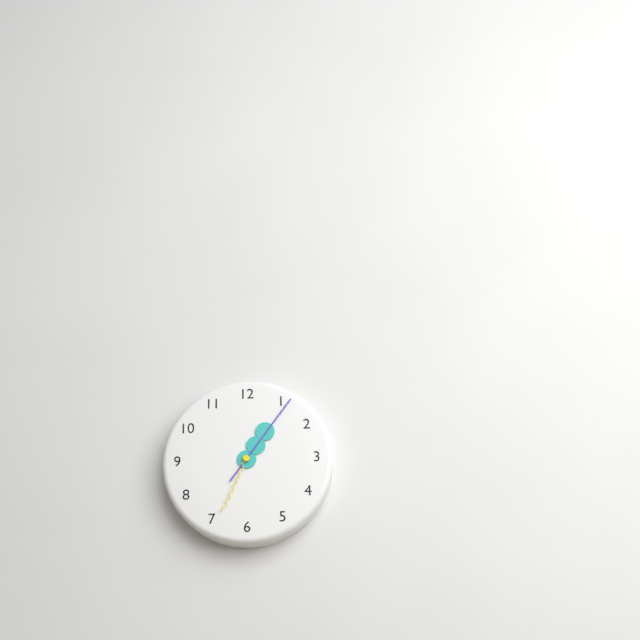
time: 1:06:34
